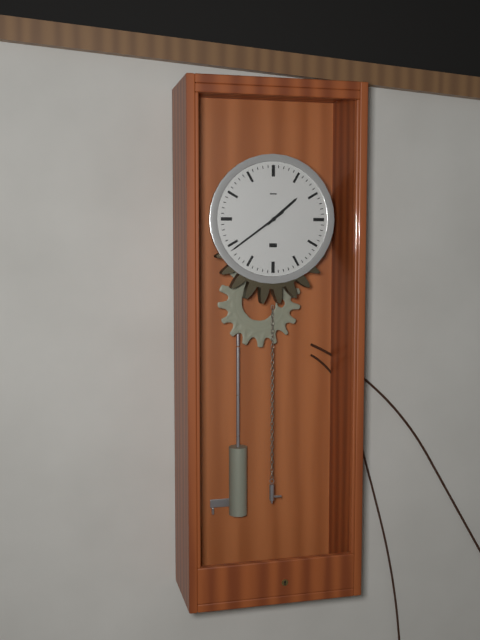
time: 1:39
